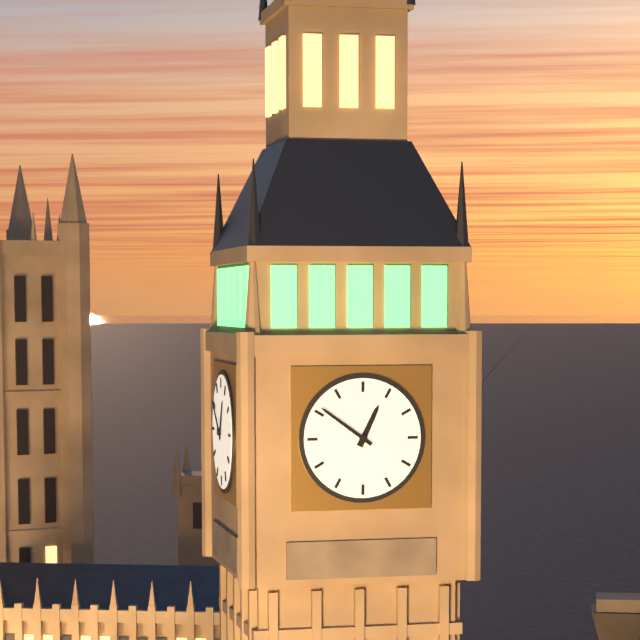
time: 12:51
